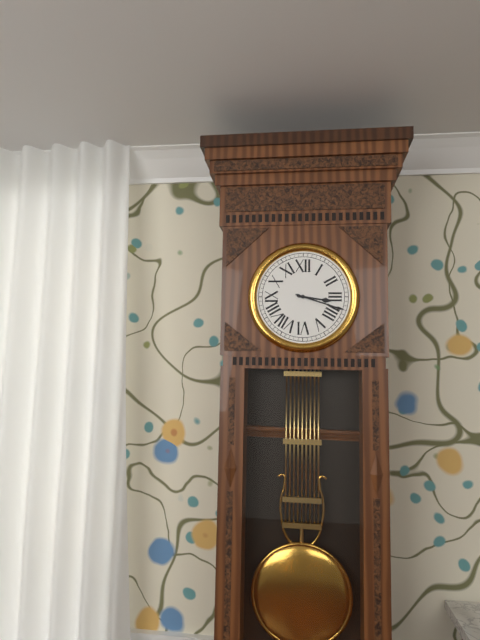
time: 3:18
